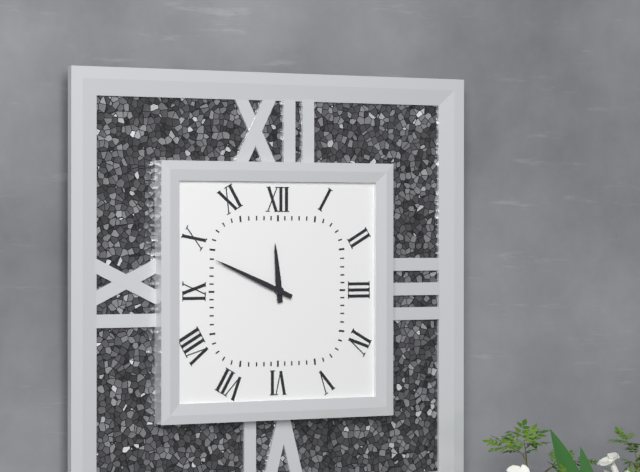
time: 11:49
